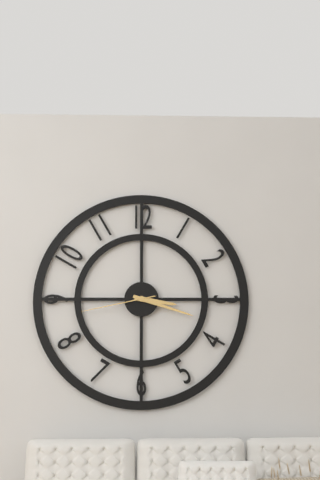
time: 3:18:43
